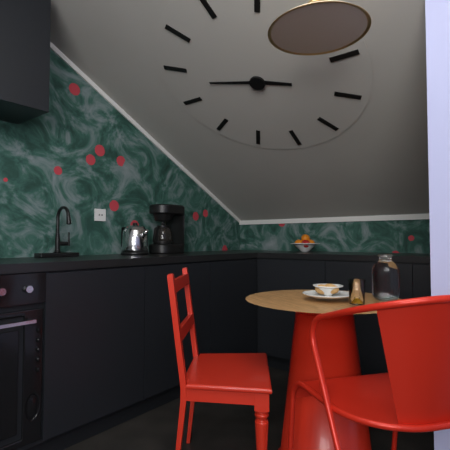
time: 3:48
